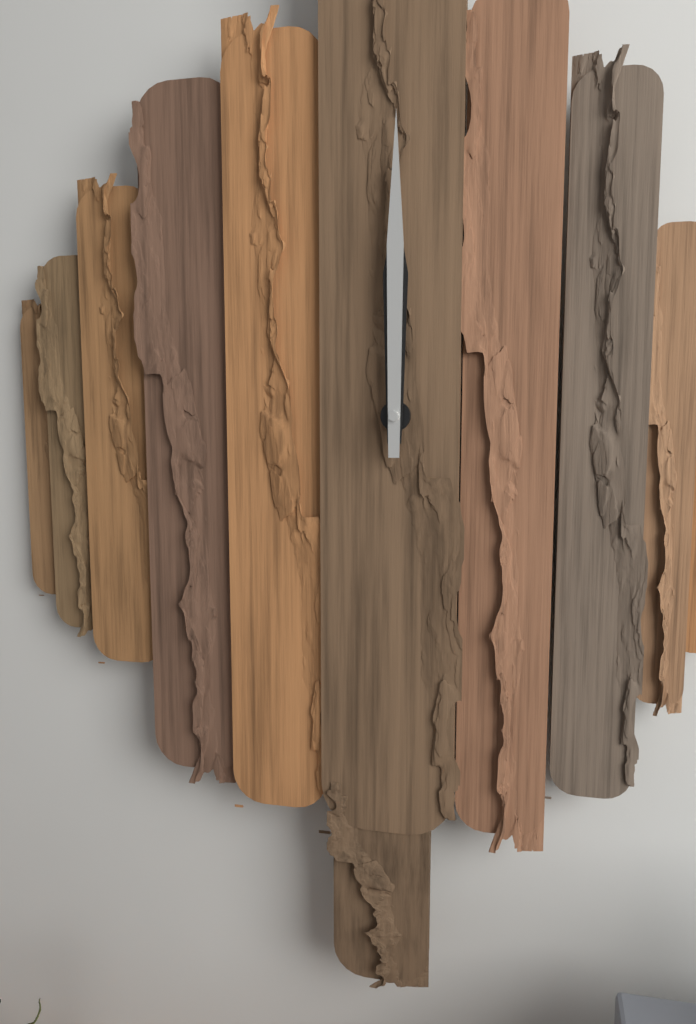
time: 12:00
